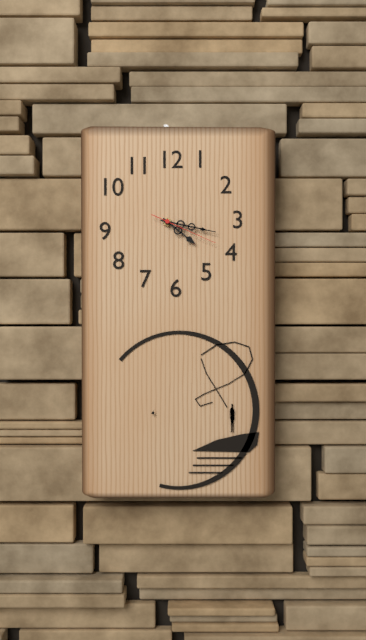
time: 4:17:19
